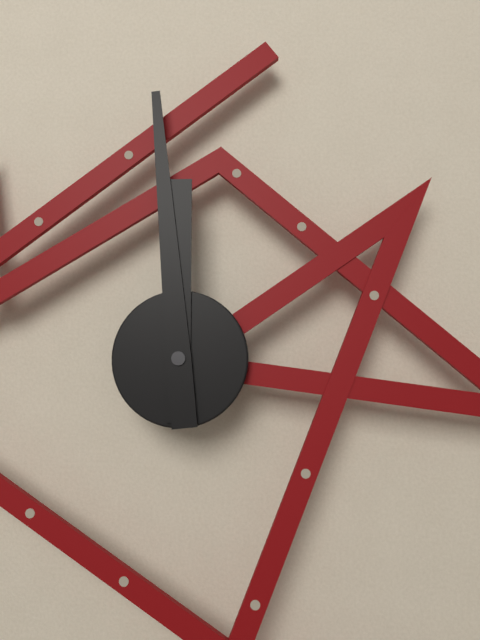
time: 11:59
